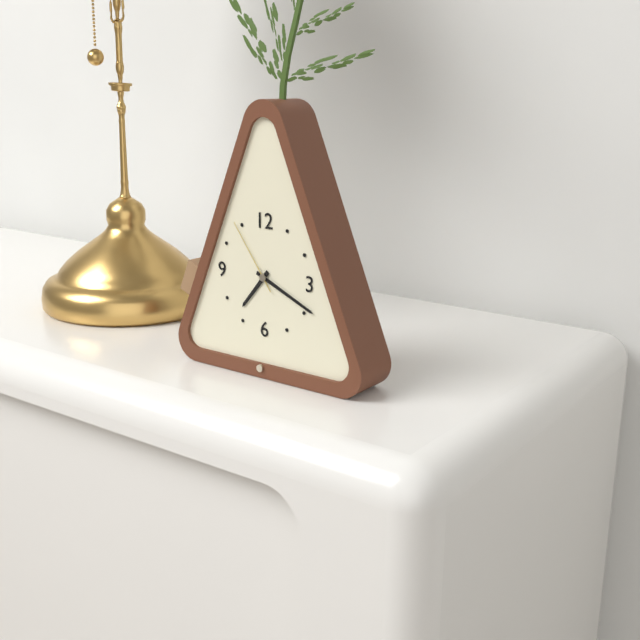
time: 7:19:54
